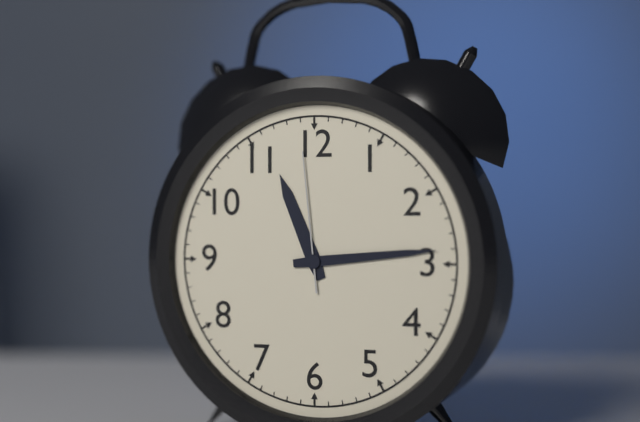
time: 11:14:59
